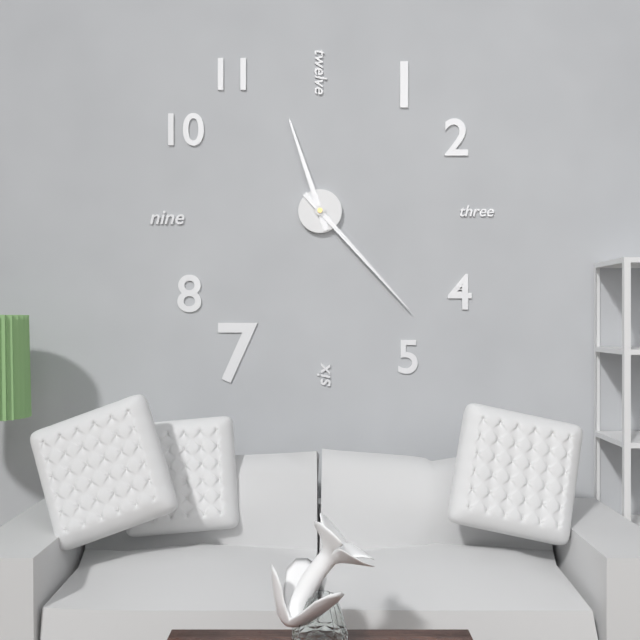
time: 11:23
